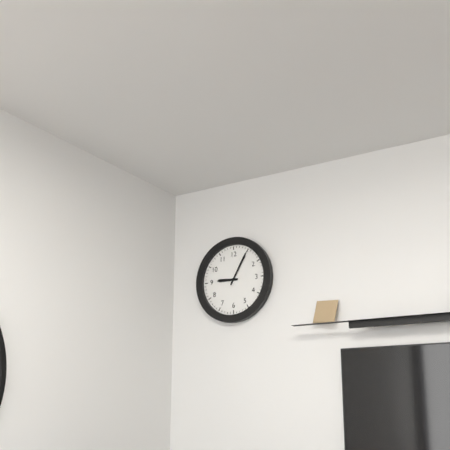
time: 9:05
